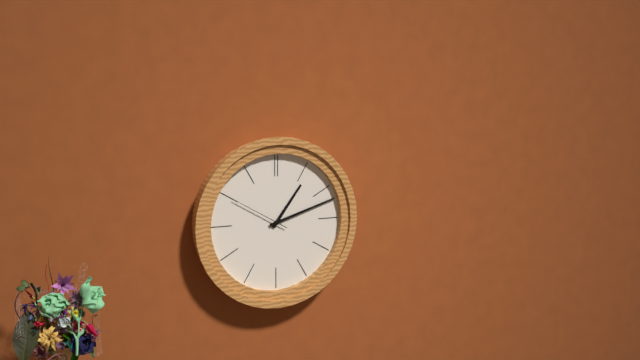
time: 1:12:50
